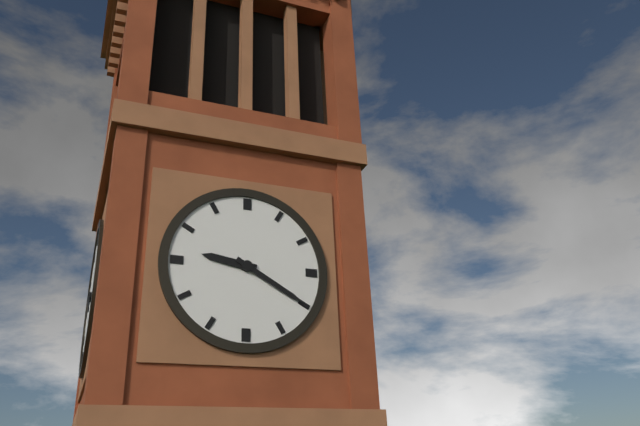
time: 9:20
